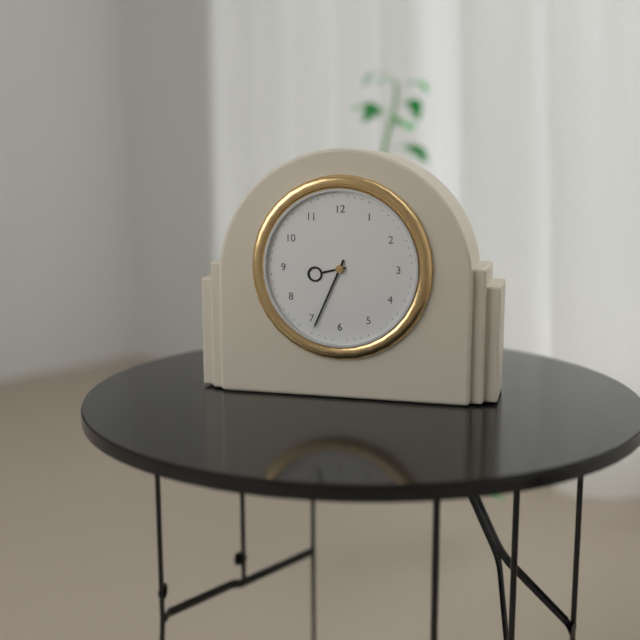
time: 8:34
